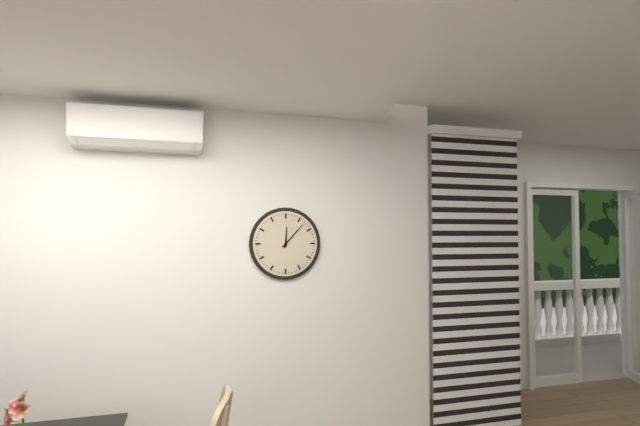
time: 12:07
